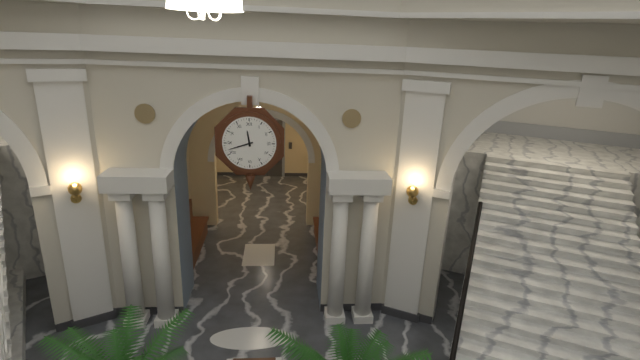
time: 11:42
